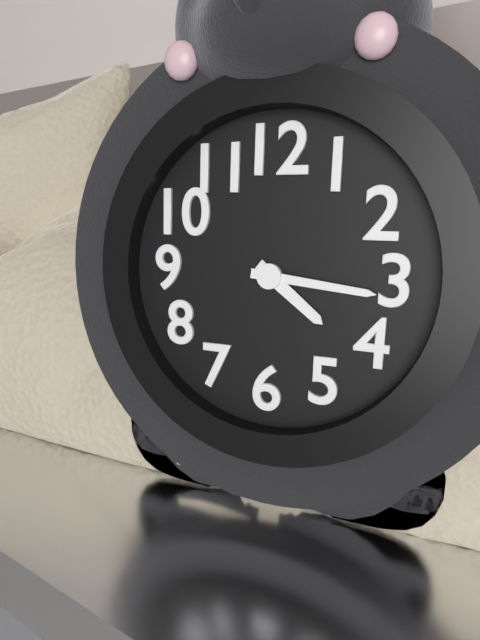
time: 4:16
